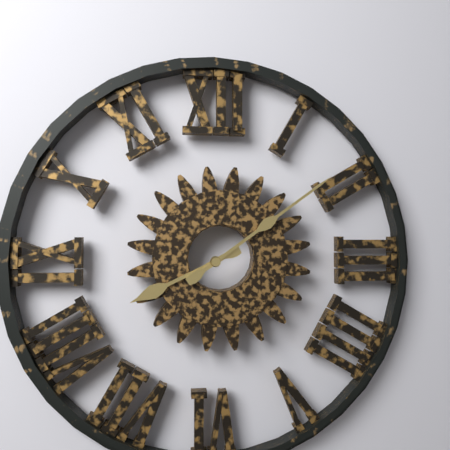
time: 8:09
